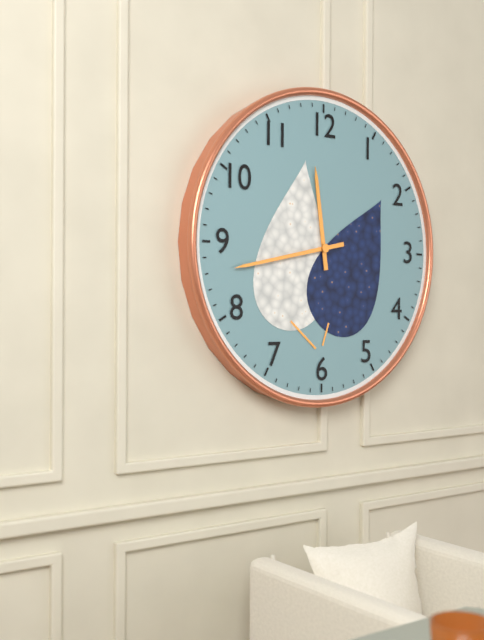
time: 11:43
